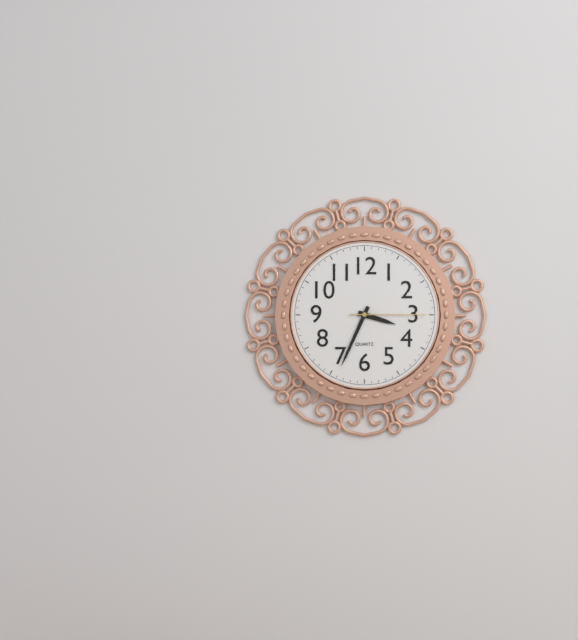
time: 3:34:15
